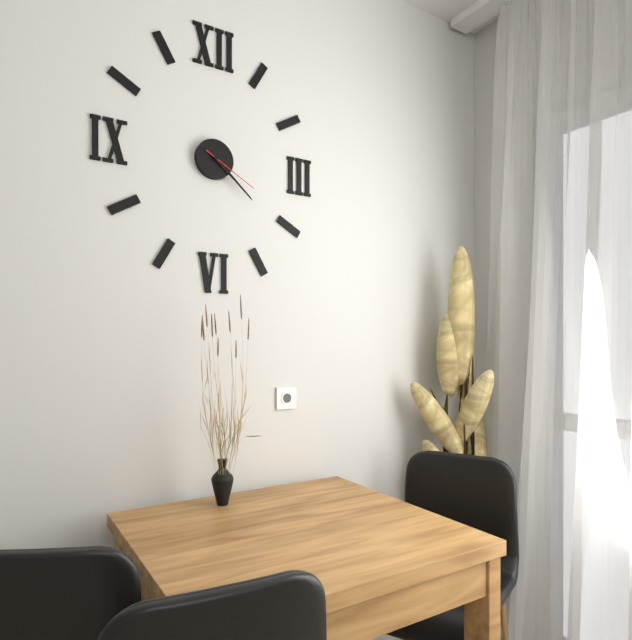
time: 4:22:20
